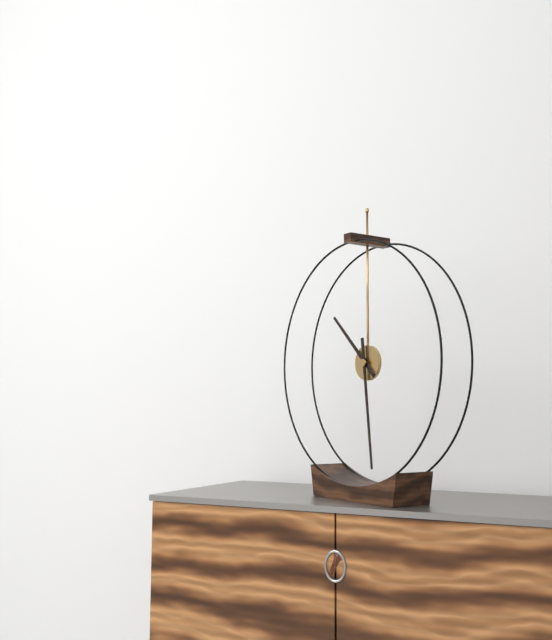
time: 10:29
